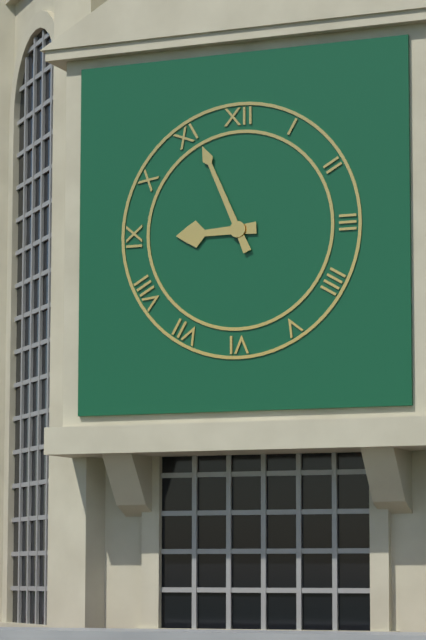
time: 8:56
